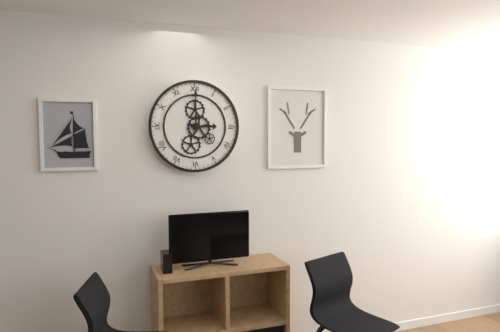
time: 3:00
